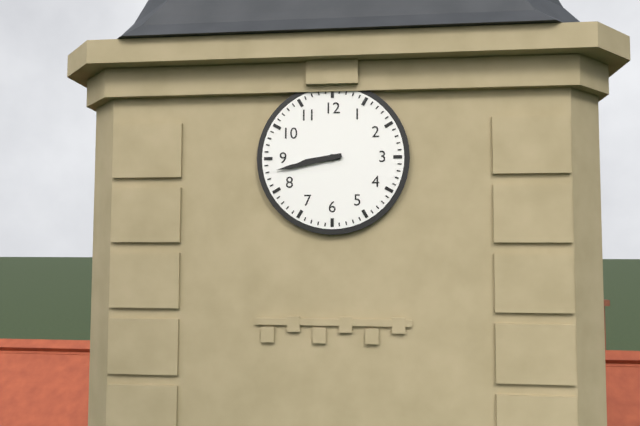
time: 8:43
